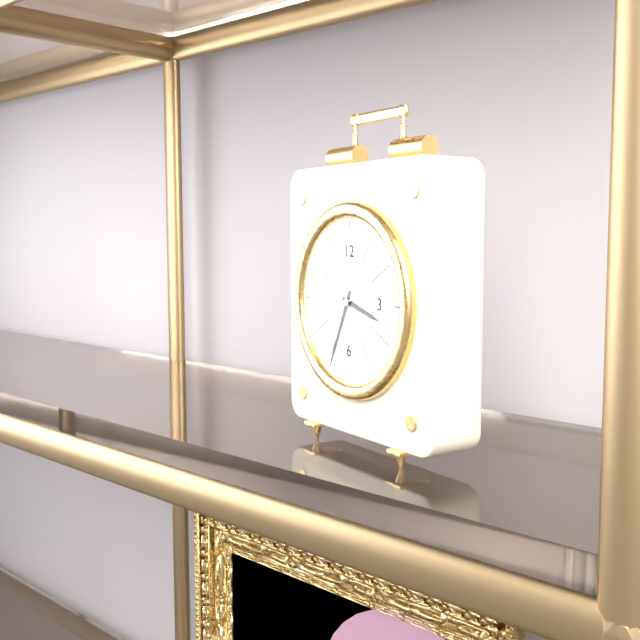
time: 3:34
